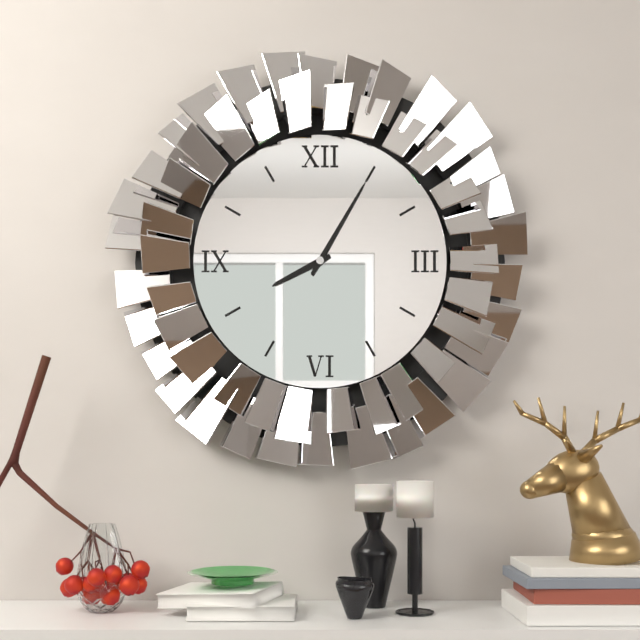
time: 8:05
